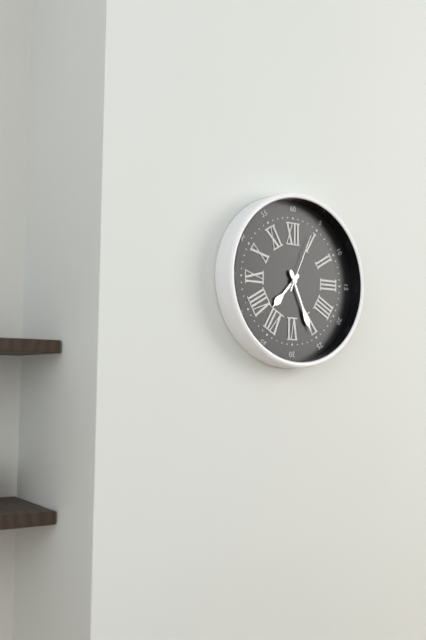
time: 7:26:04
